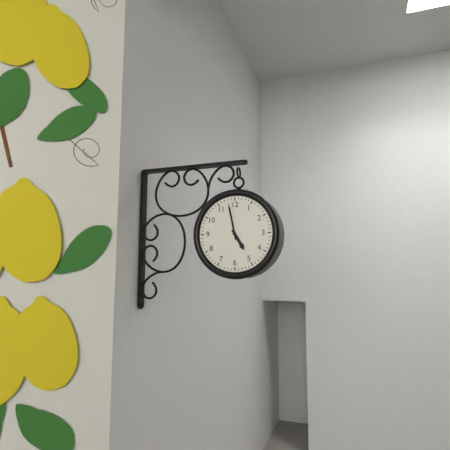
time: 4:58
